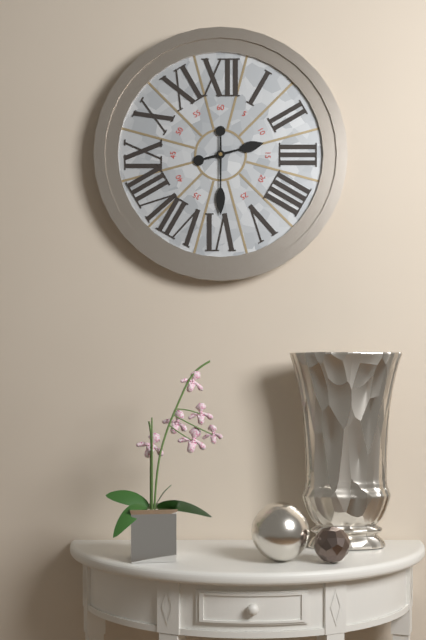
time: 2:30
